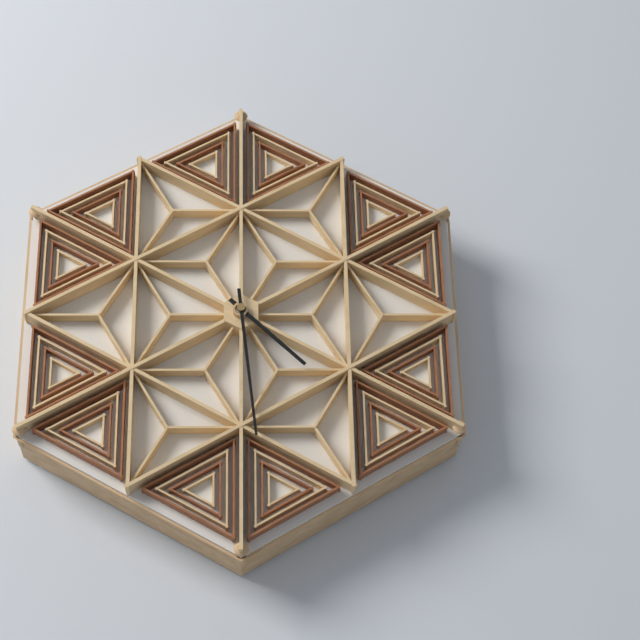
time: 4:29
